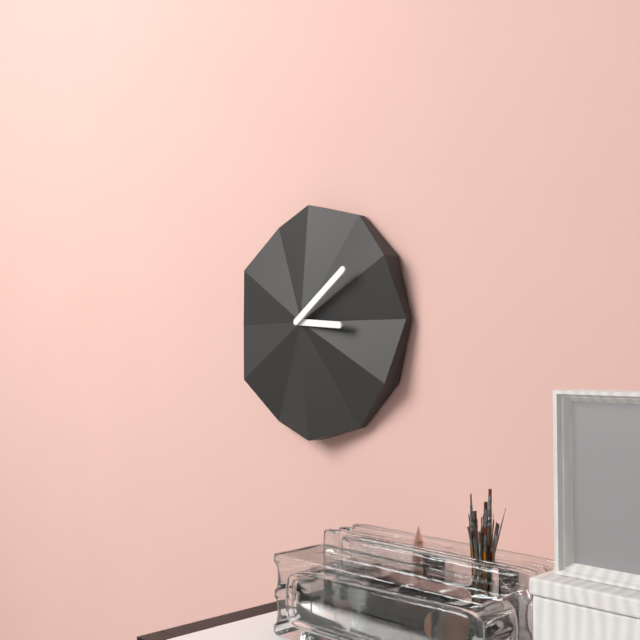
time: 3:09
